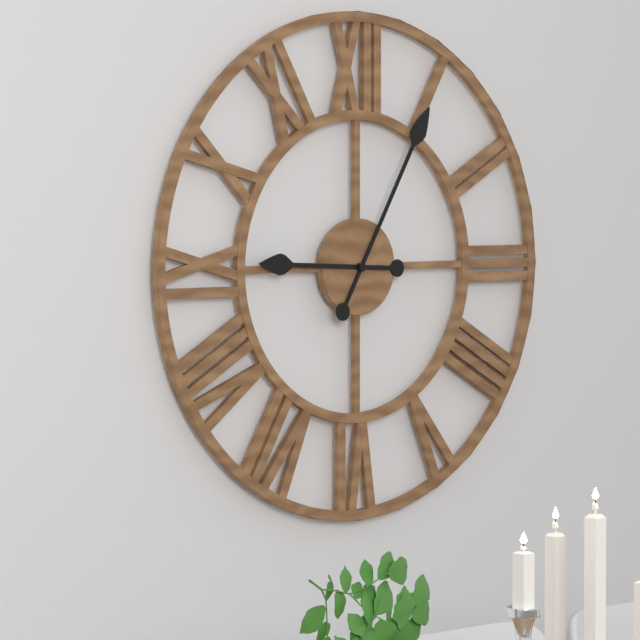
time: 9:05
